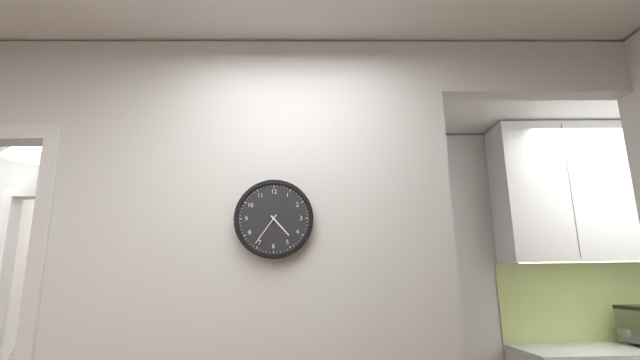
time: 4:36
